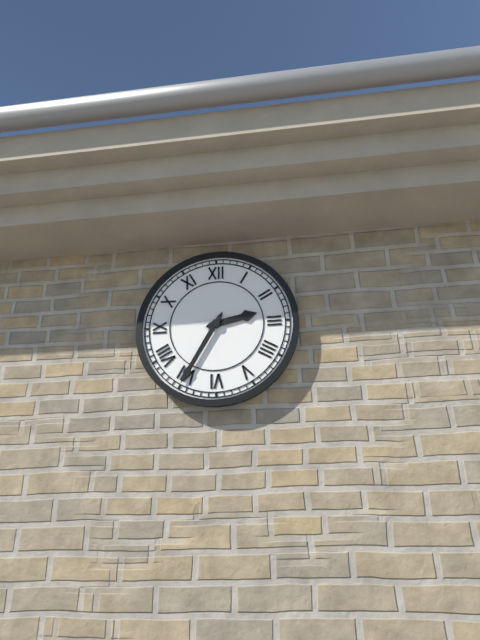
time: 2:35
